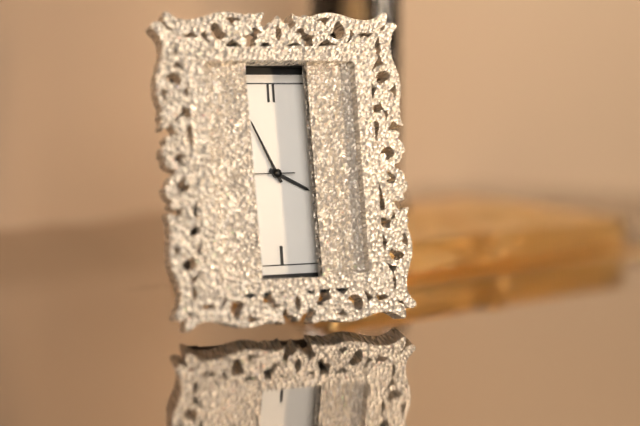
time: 3:56
